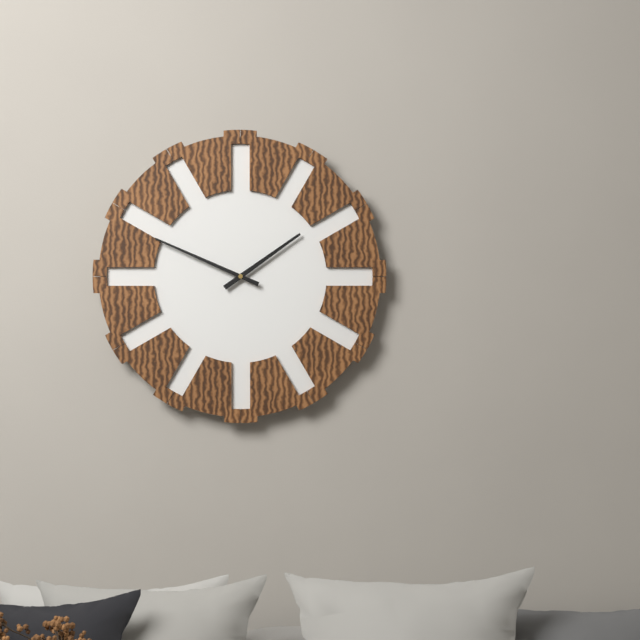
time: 1:49
